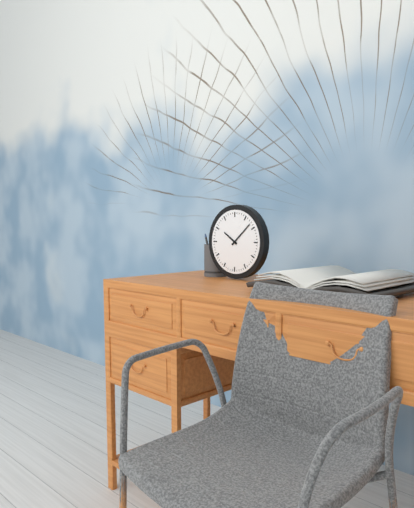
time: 10:08
